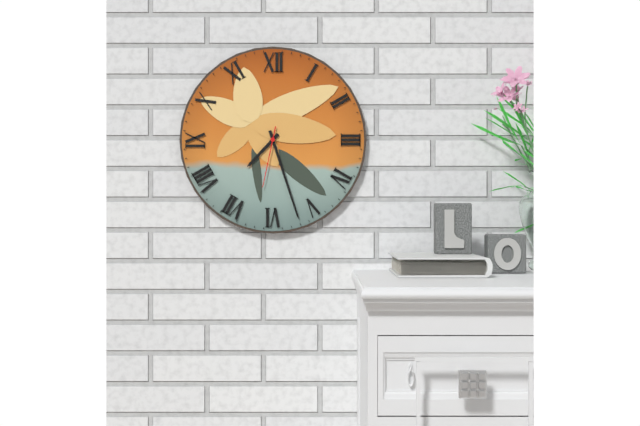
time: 7:27:32
